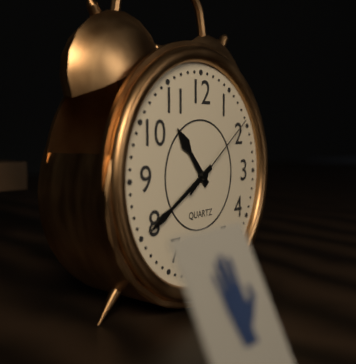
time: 10:40:09
